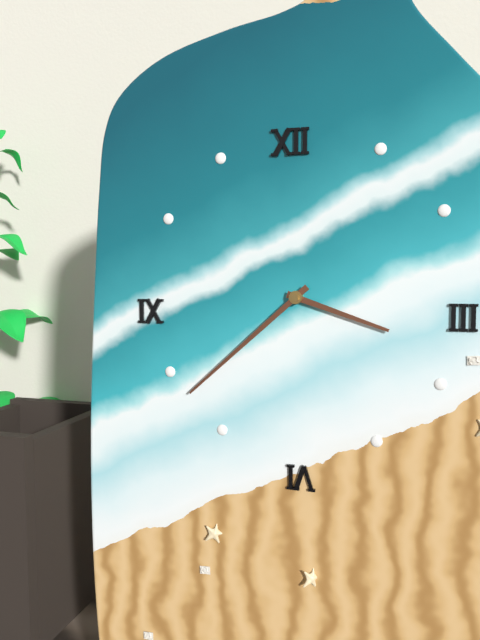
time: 3:38
